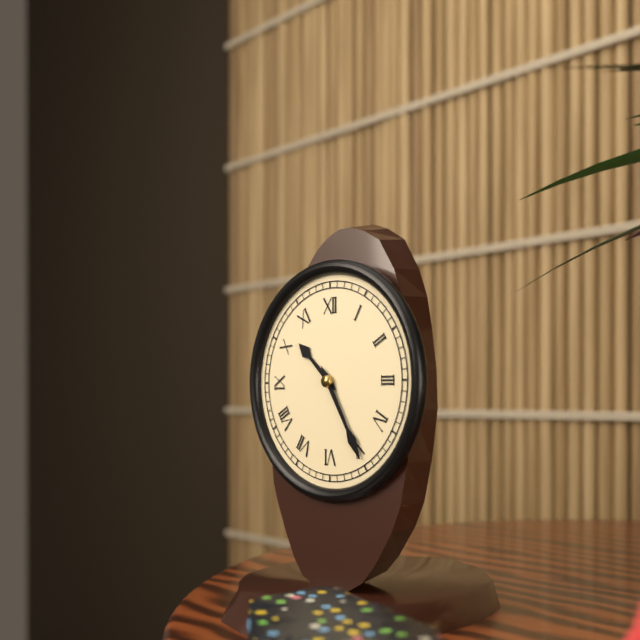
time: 10:25
